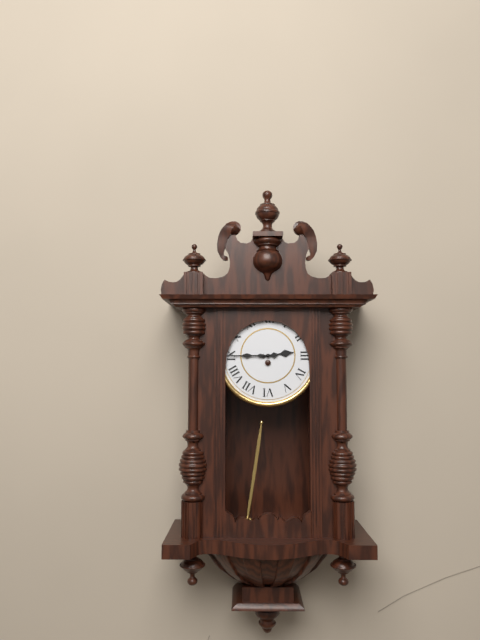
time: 2:45
